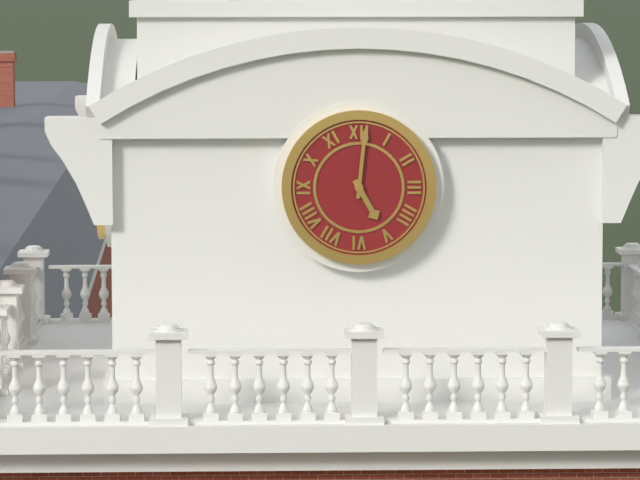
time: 5:01
